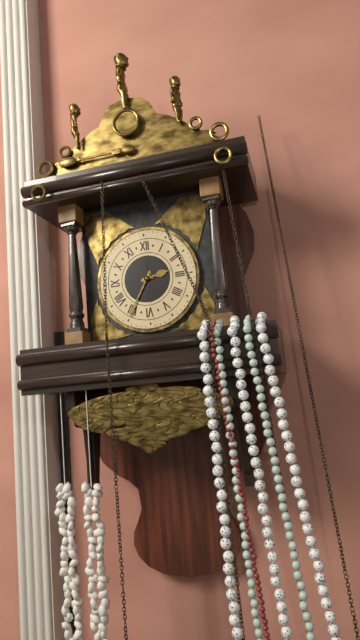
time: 2:35
